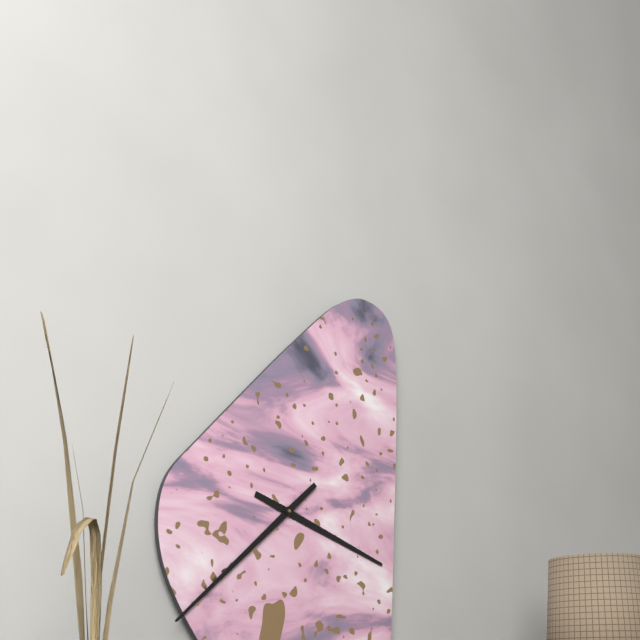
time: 3:38
